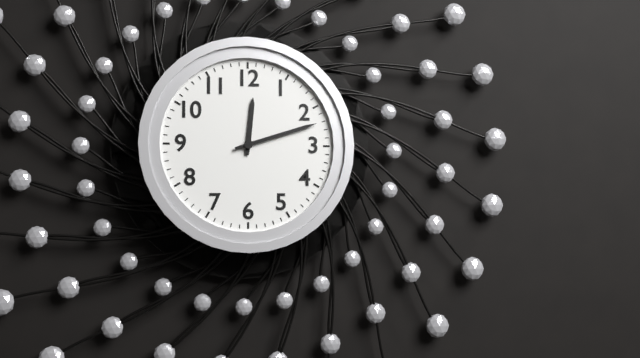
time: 12:12
